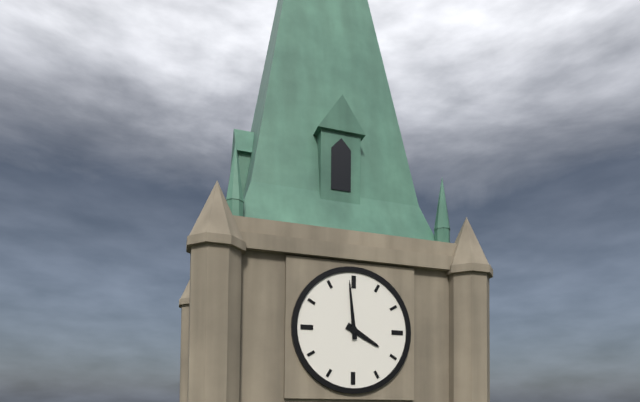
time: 3:59
